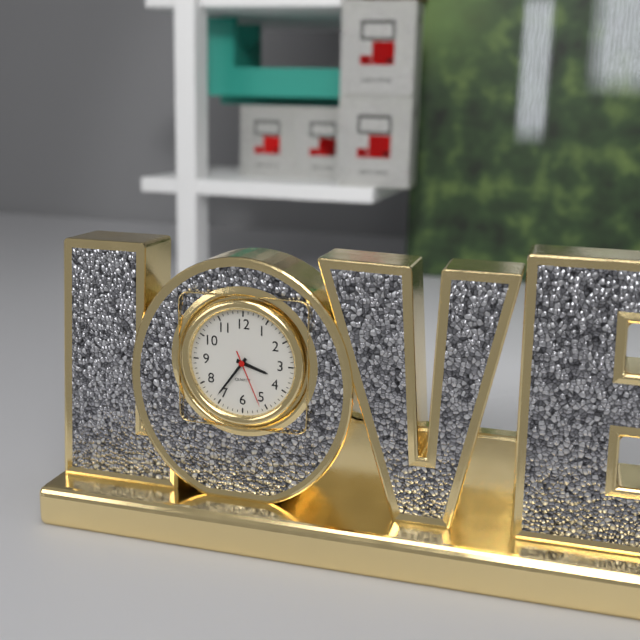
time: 3:36:26
